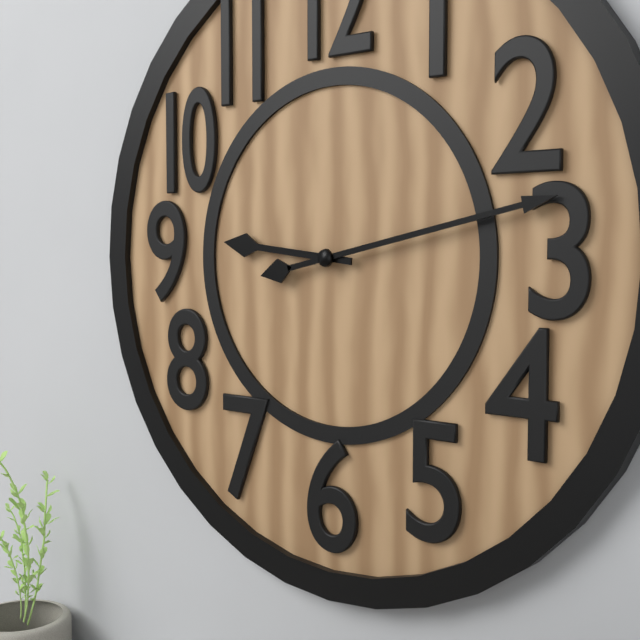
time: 9:13
